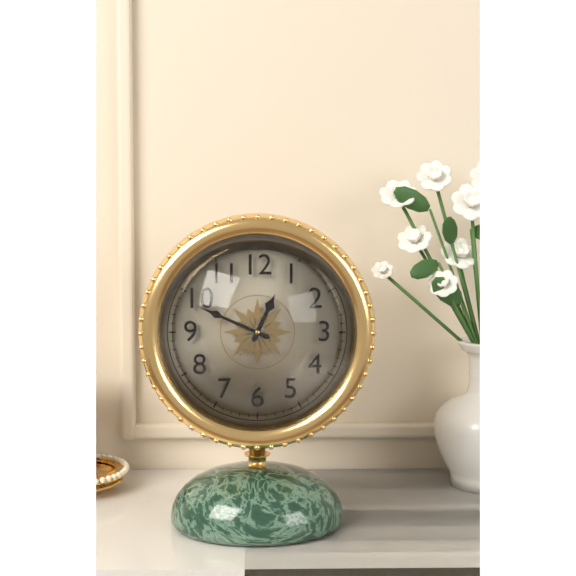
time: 12:49
